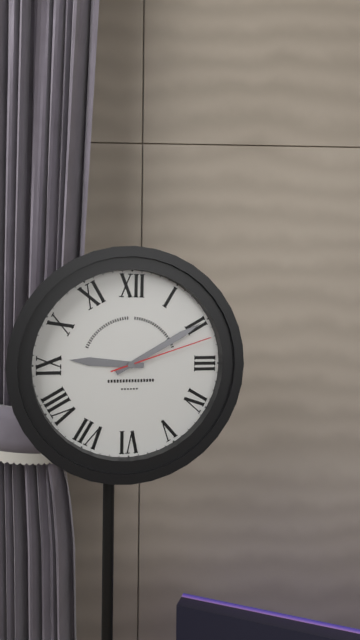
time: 9:10:12
